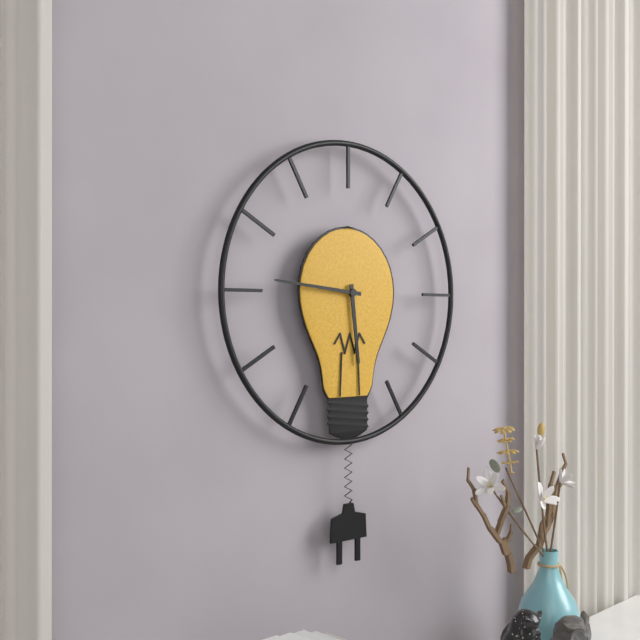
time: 5:46
